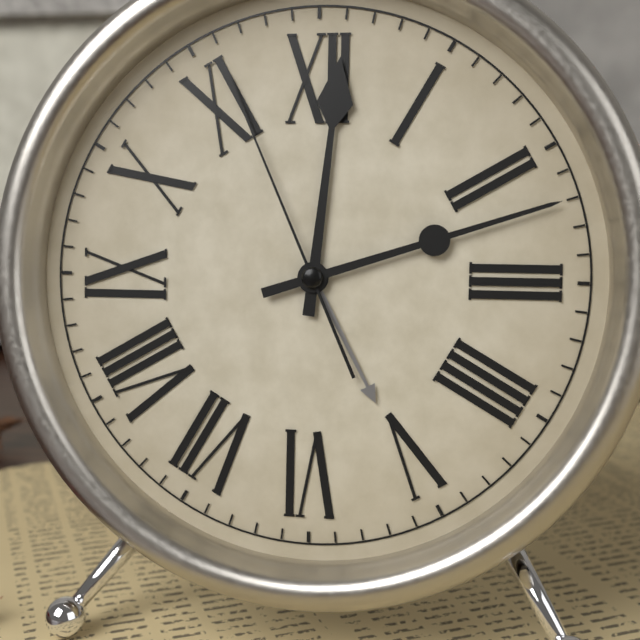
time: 12:12:56
